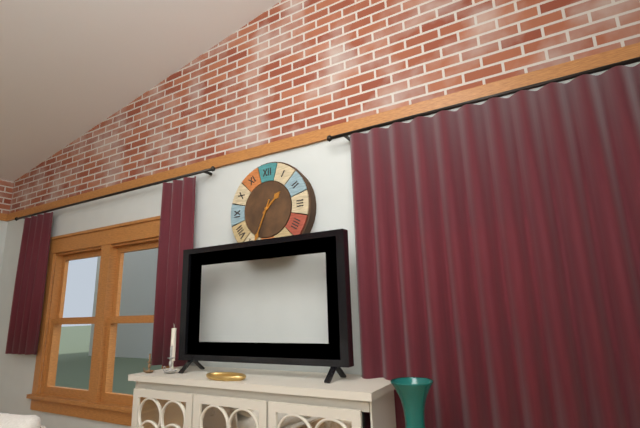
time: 1:34
